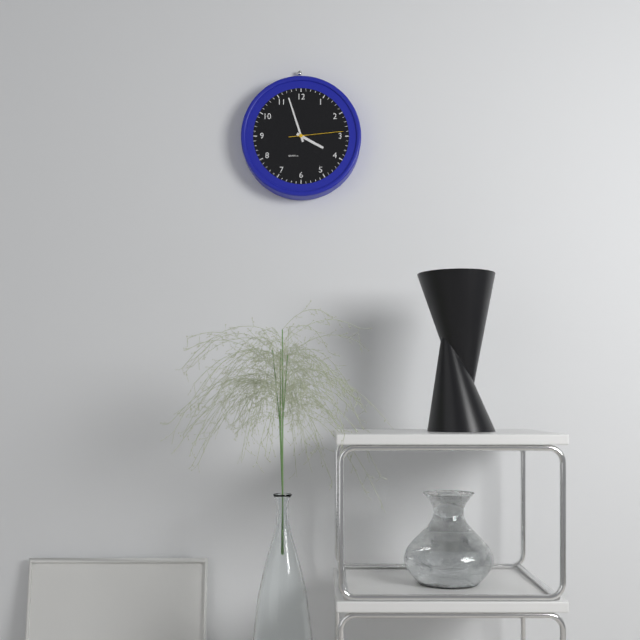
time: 3:57:14
